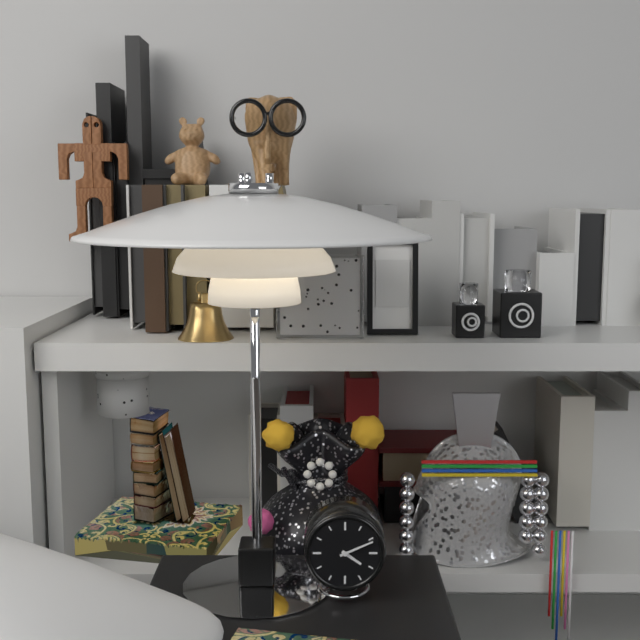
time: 4:11
